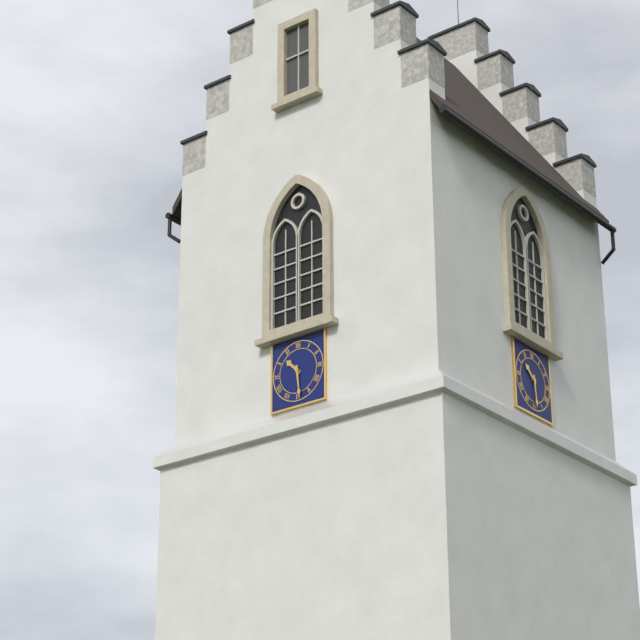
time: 10:29
